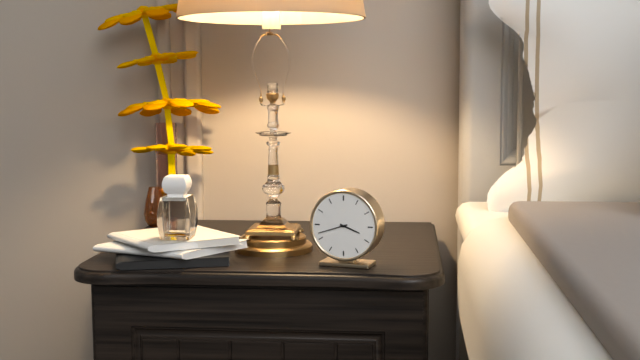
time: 3:42
